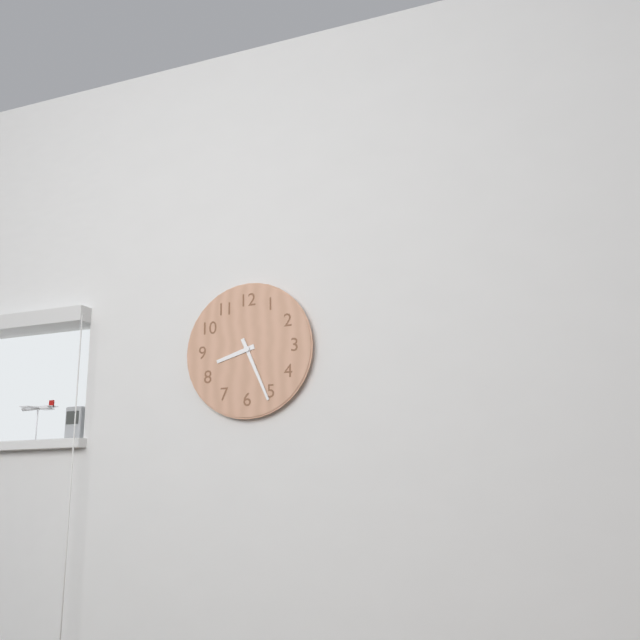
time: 8:26
